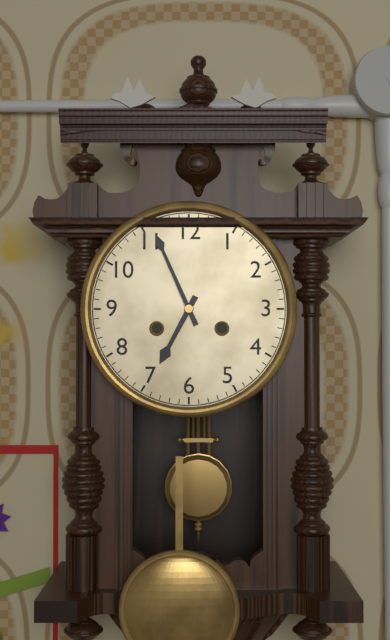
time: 6:56
